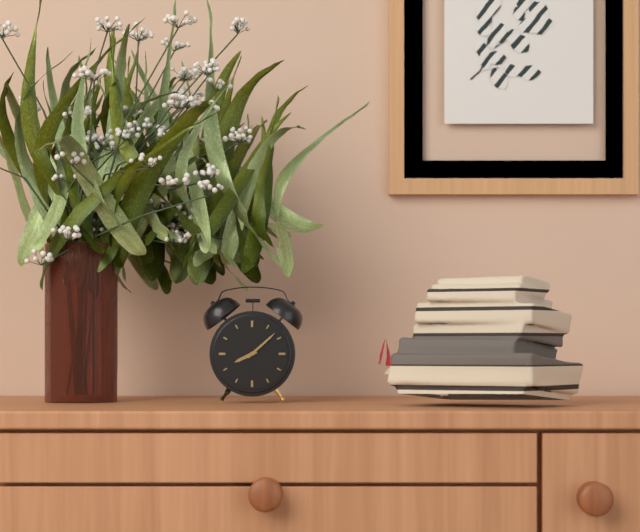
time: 8:08
